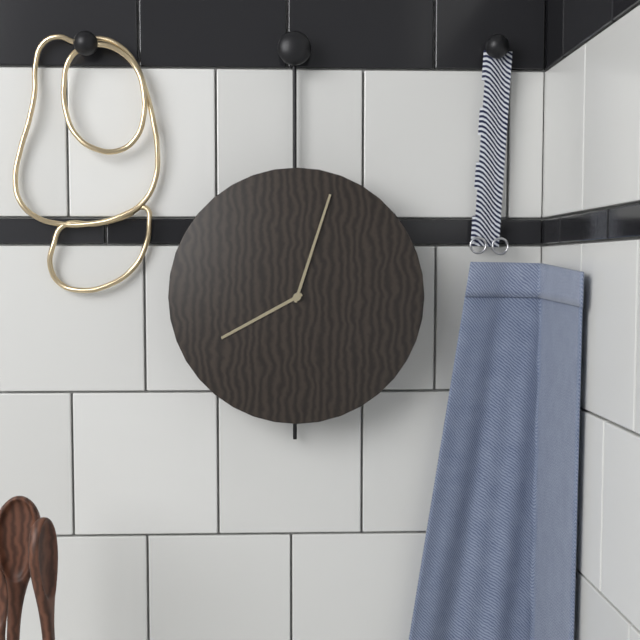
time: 8:03
